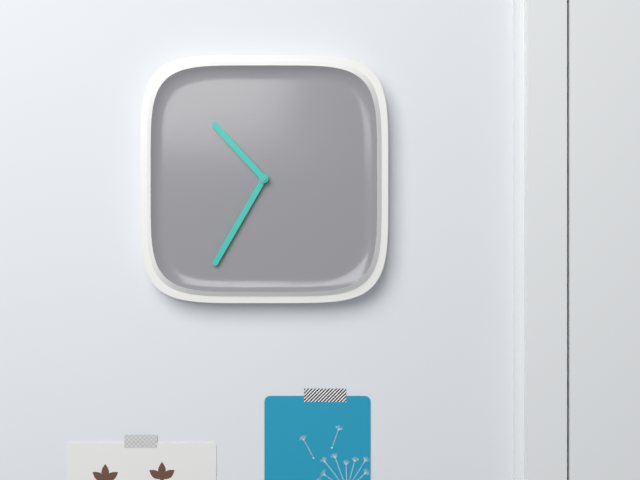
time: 10:35
